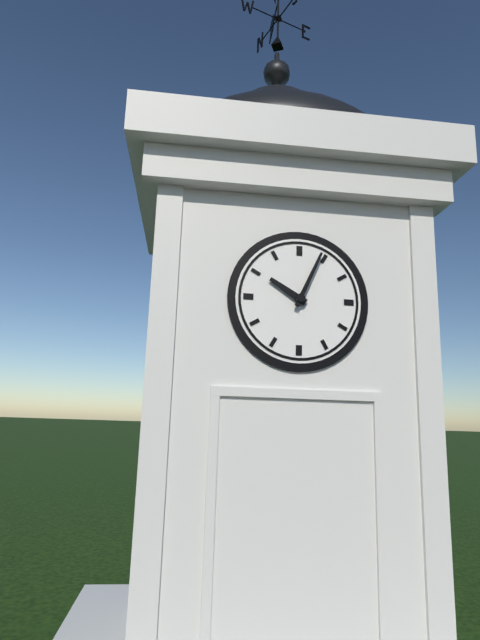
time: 10:04
